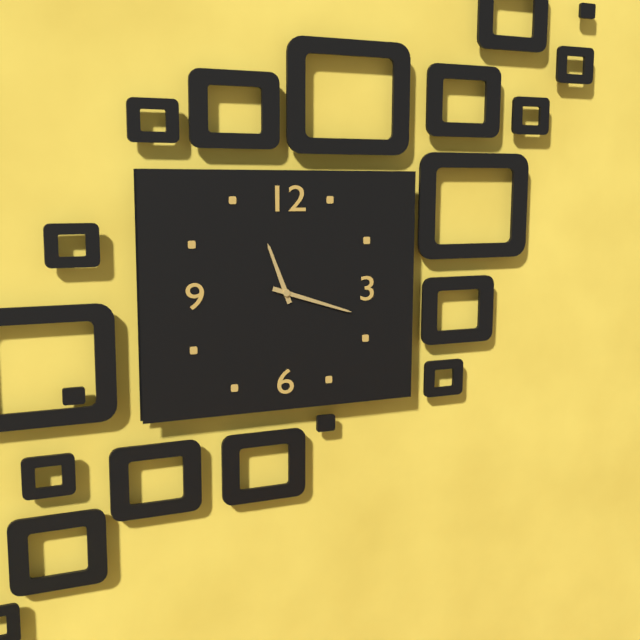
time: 11:18
